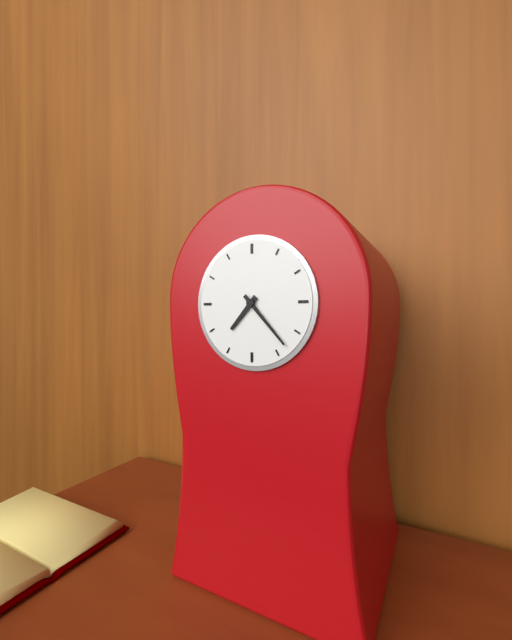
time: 7:23
